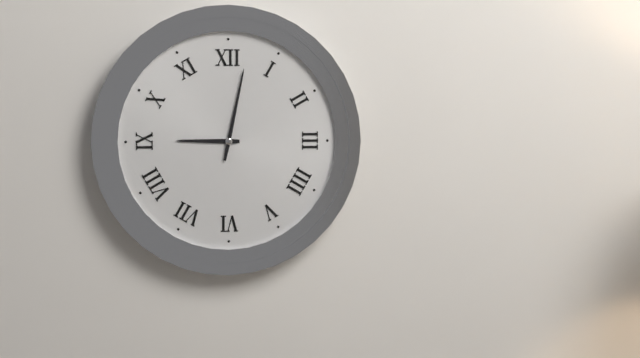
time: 9:02
